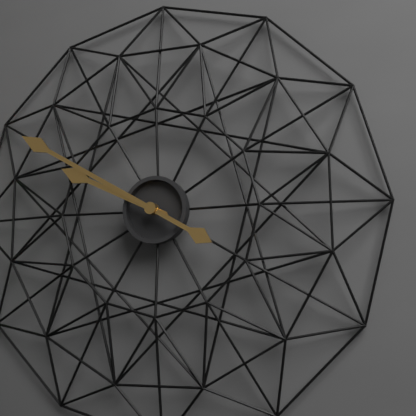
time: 9:50
